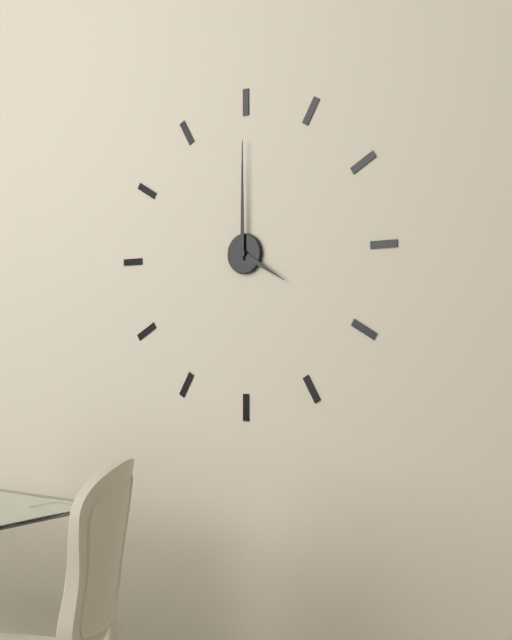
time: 4:00
